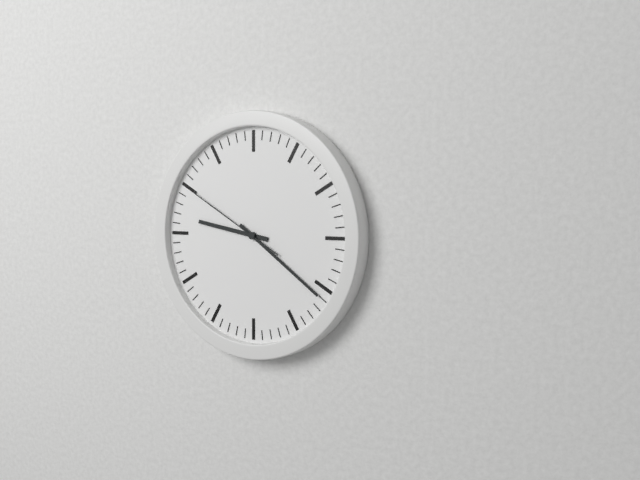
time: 9:21:50
